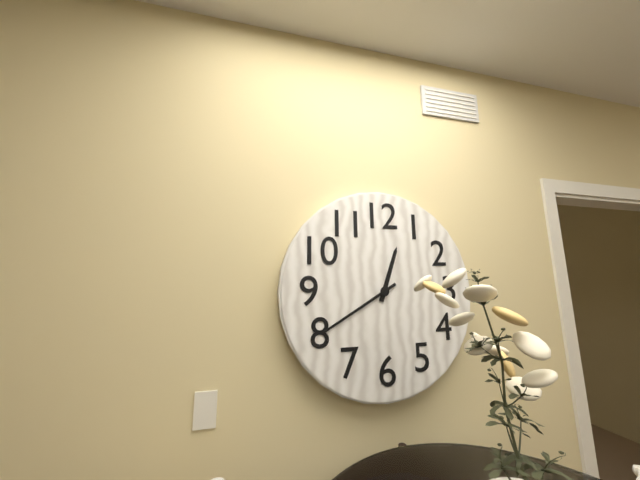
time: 12:40
